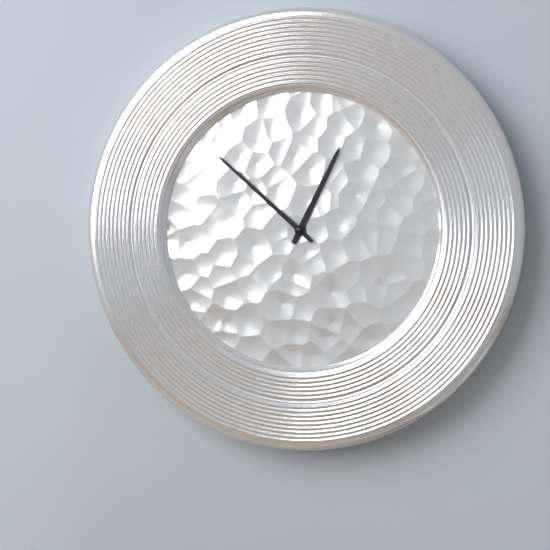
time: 12:52
